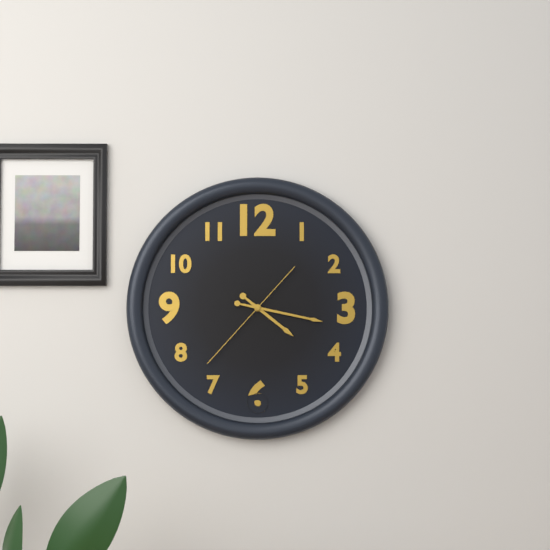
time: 4:17:37
